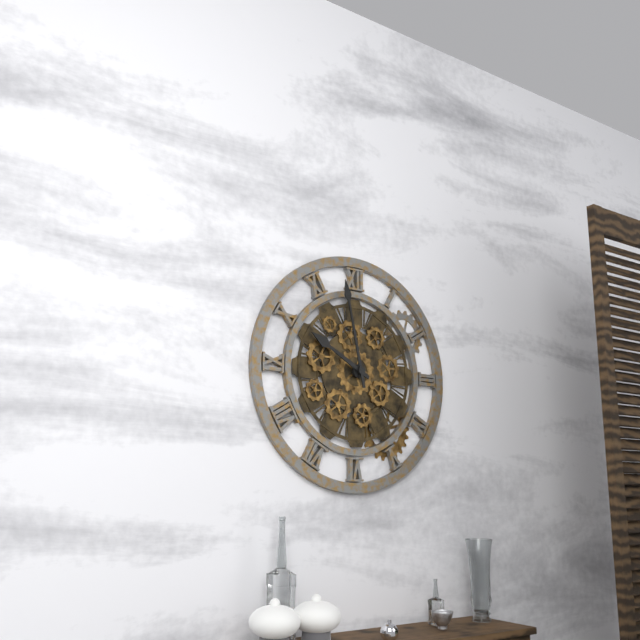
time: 9:58
